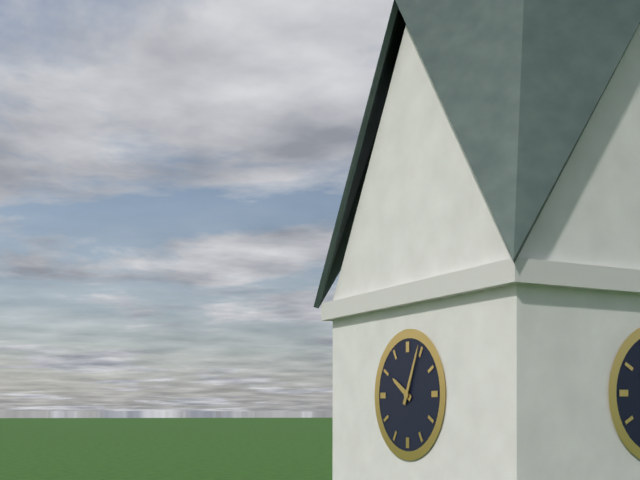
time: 10:04
